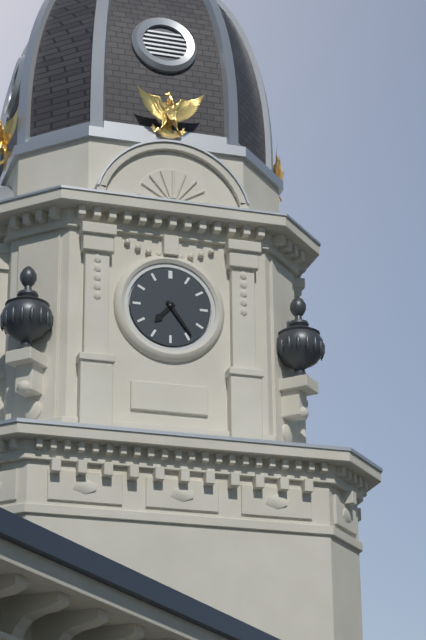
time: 7:24
